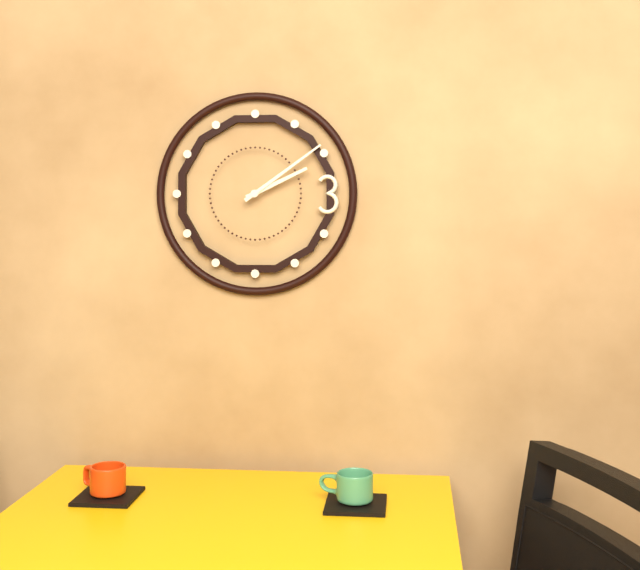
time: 2:09
